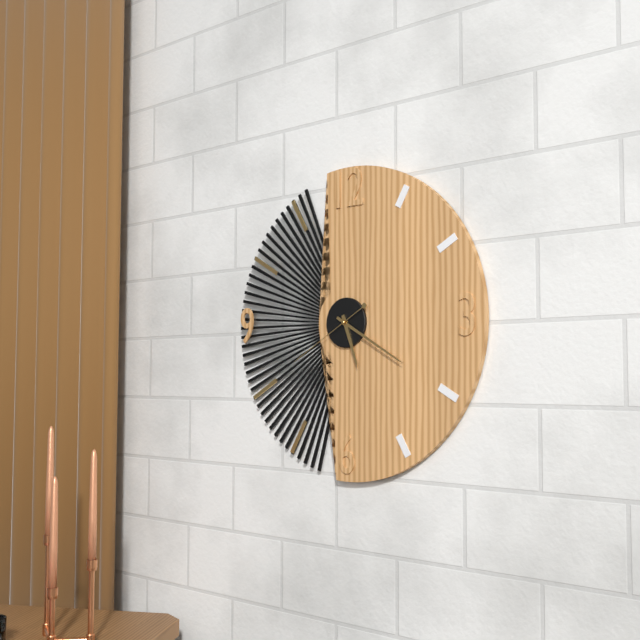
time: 5:20:40
